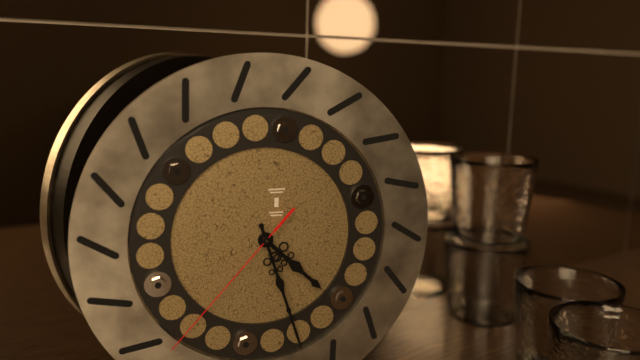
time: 4:27:37
